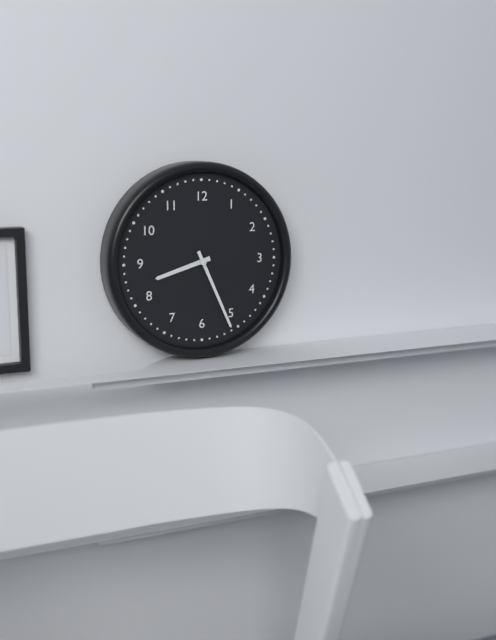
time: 8:26
